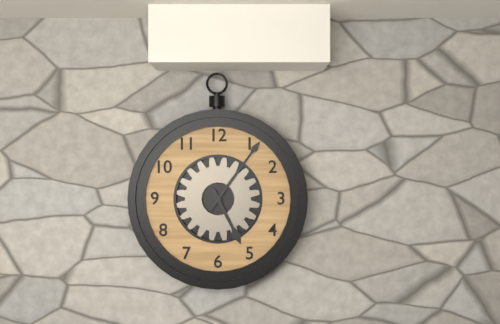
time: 5:06
